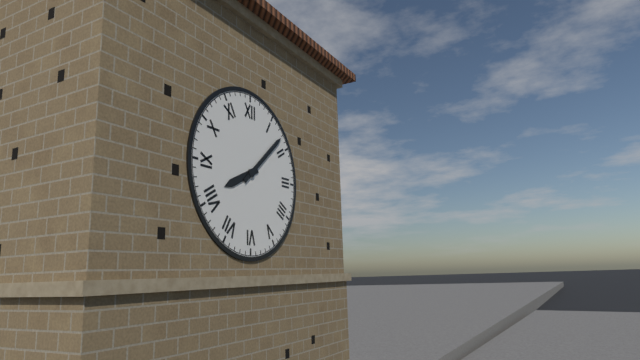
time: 8:08
